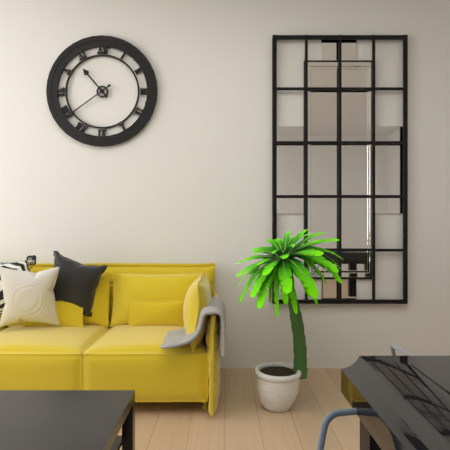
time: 10:39
